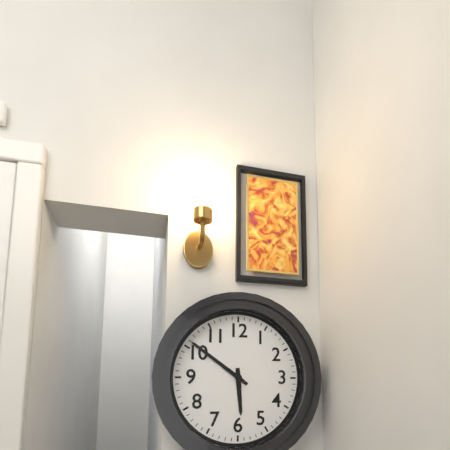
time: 5:51
